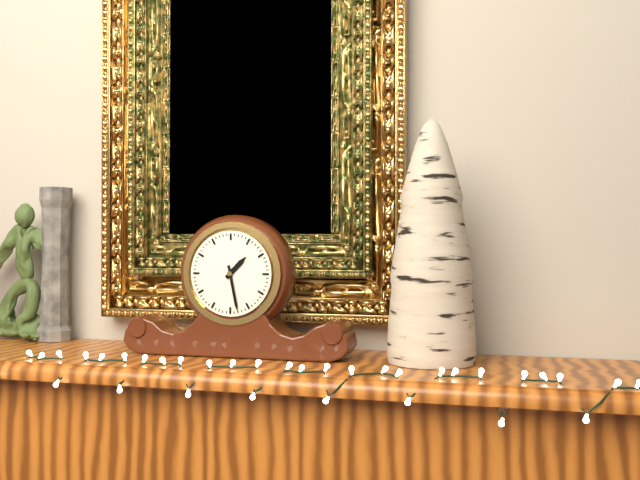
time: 1:28
